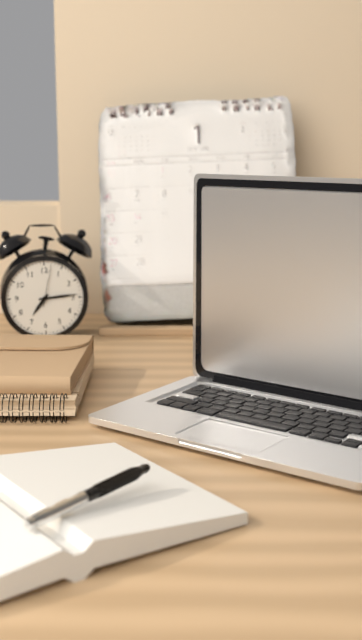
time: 7:14
